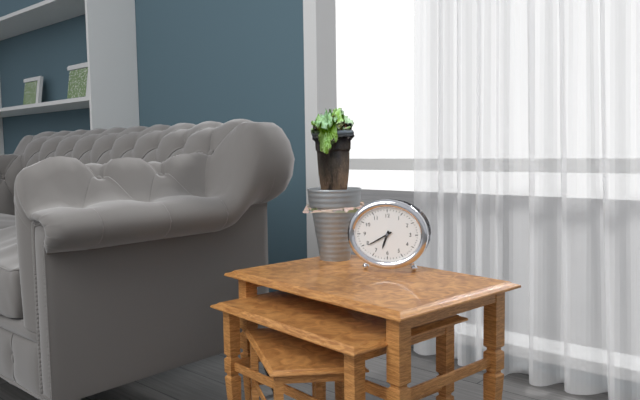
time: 6:40
